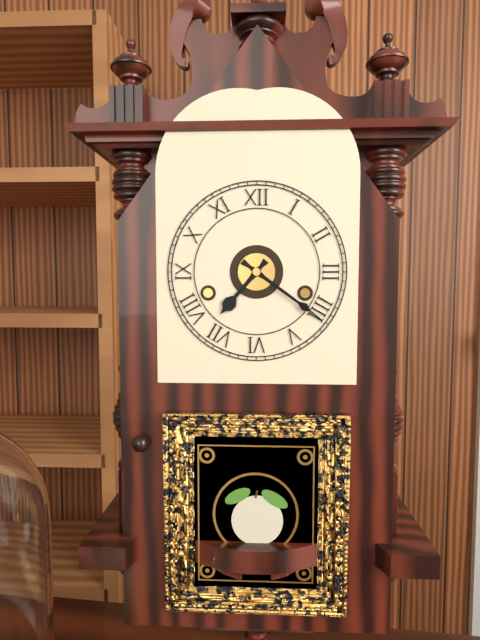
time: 7:21
